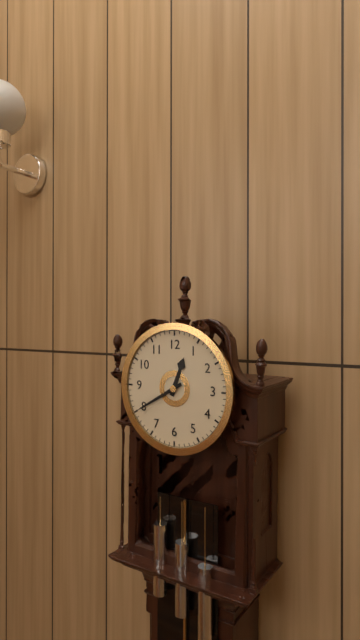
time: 12:40
